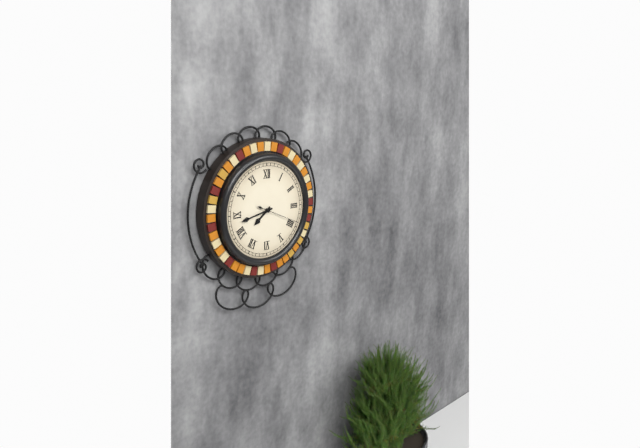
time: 7:43:19
